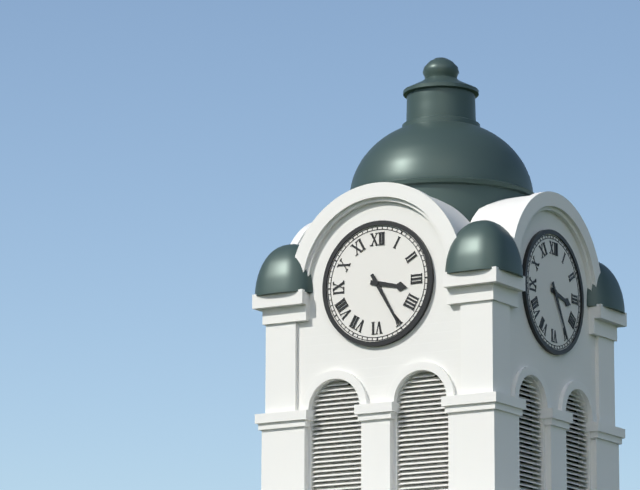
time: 3:25
